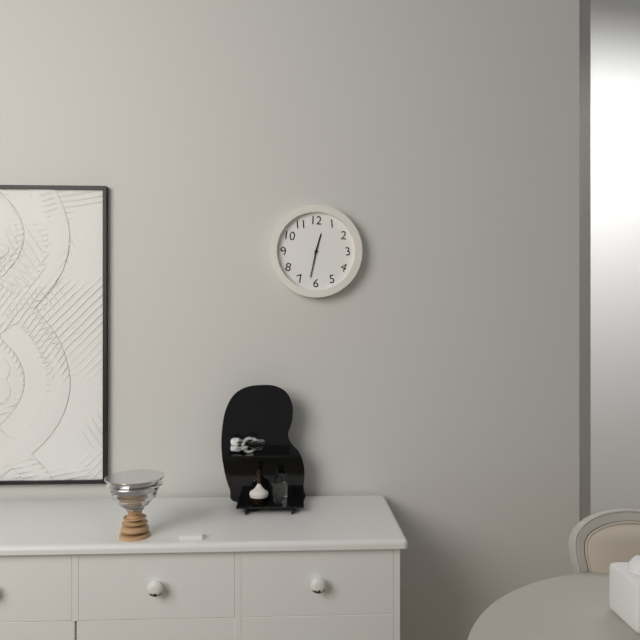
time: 12:32
